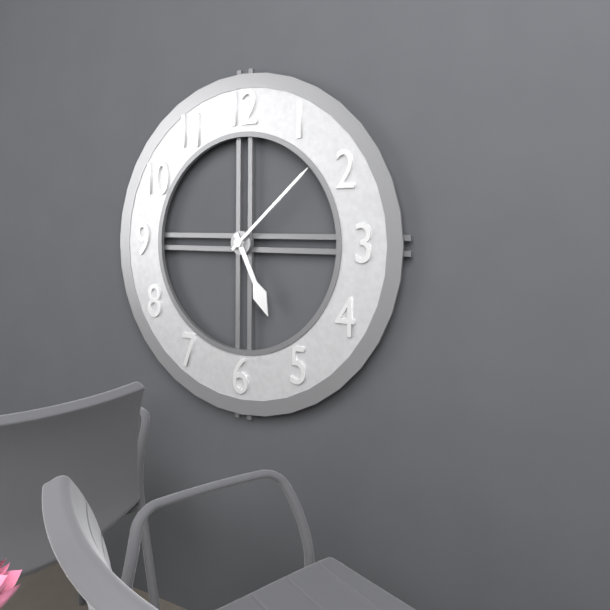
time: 5:08
